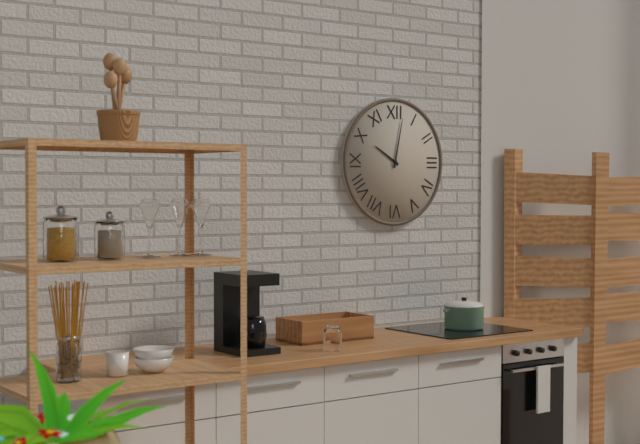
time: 10:02
